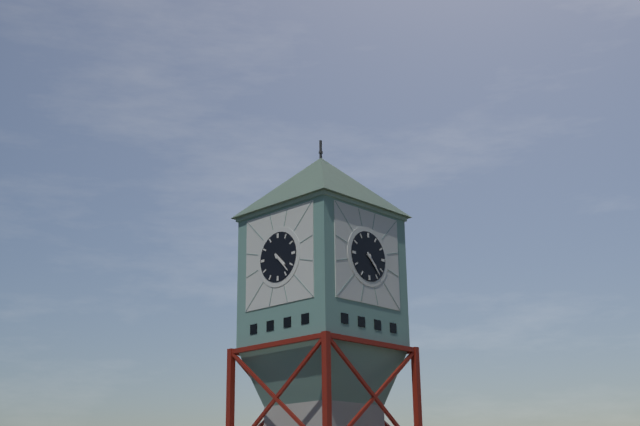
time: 4:23
